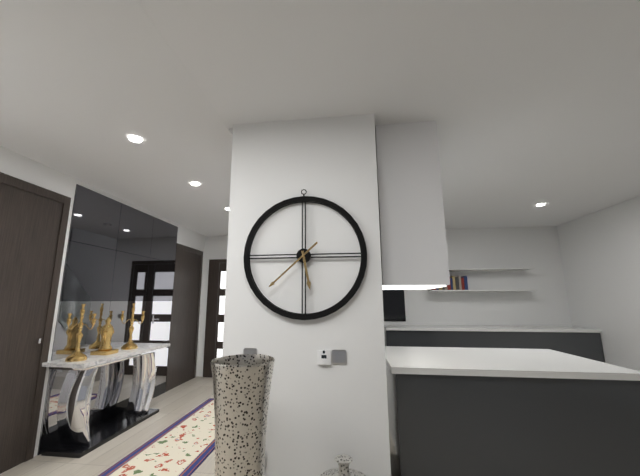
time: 5:38
